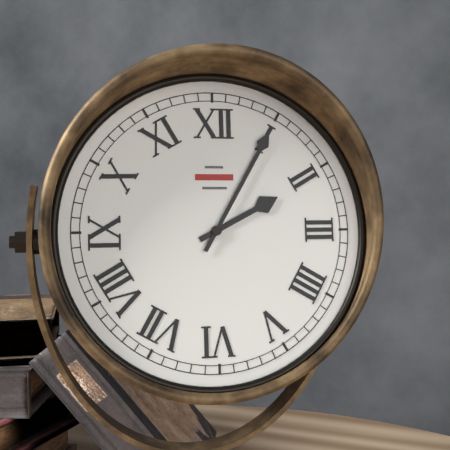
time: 2:05
